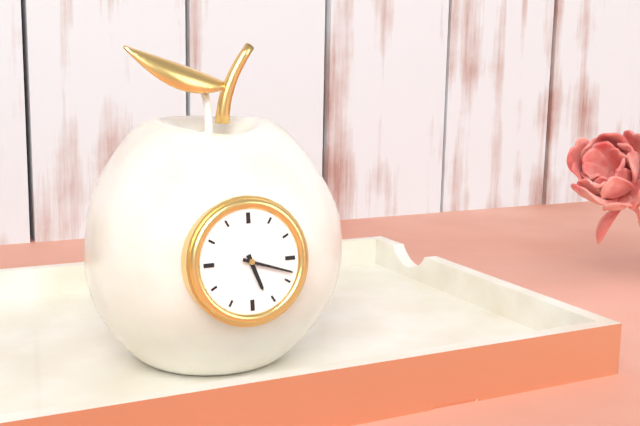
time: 5:18
